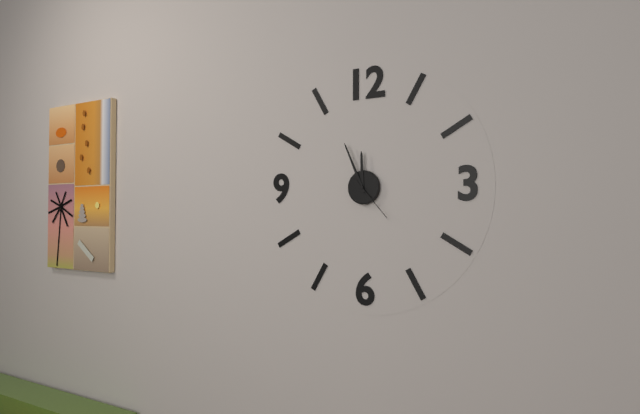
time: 11:56:23
